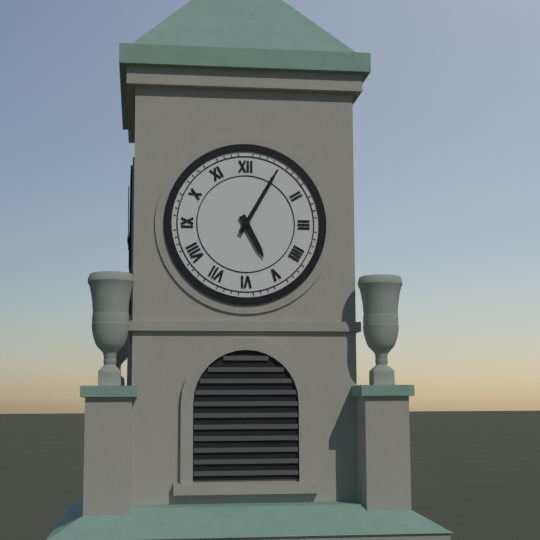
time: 5:05
